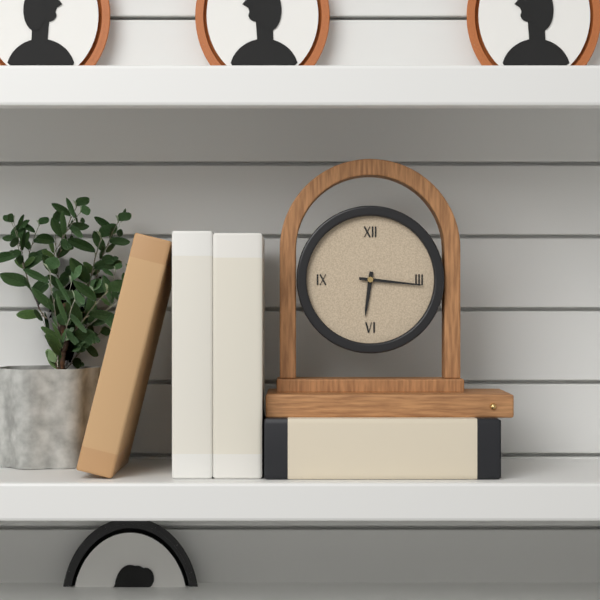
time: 6:16
